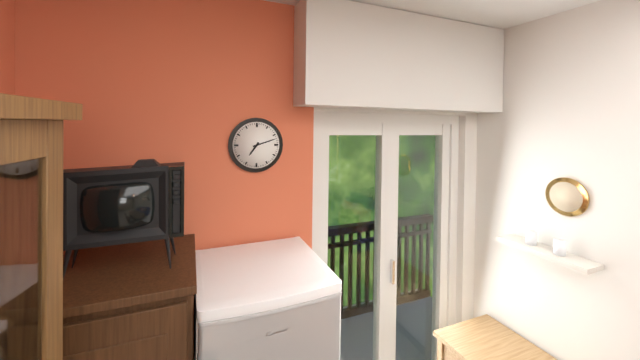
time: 7:12
